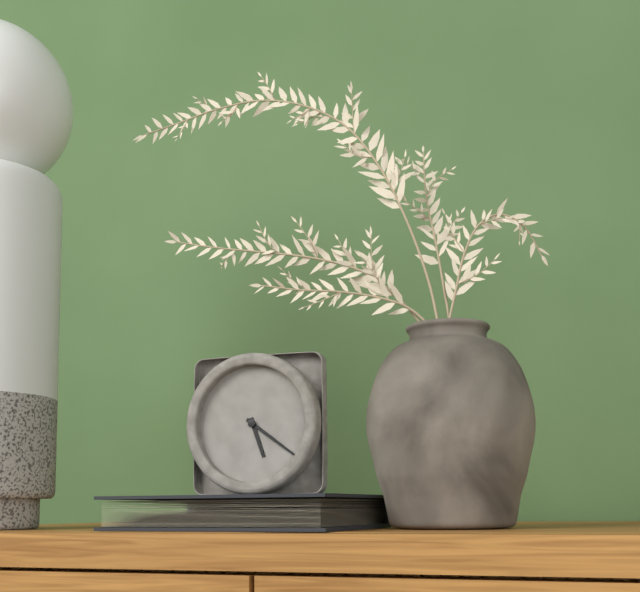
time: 5:21
